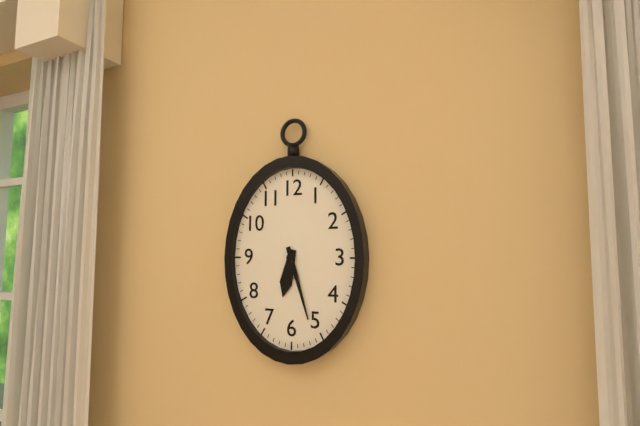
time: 6:27
